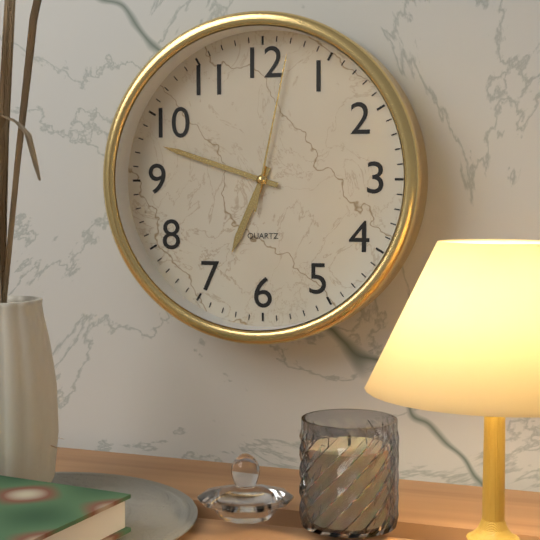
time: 6:48:02
